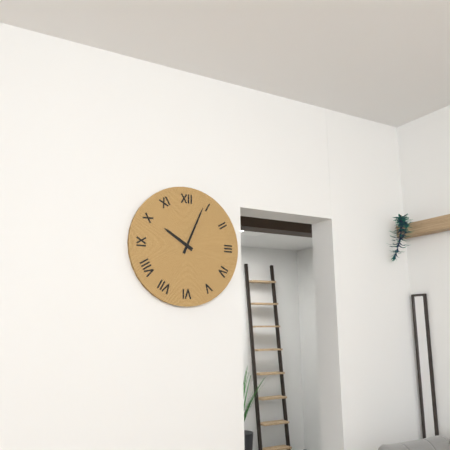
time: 10:04
